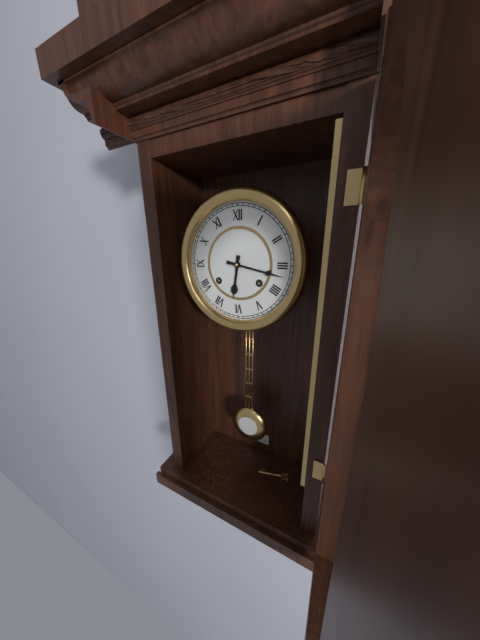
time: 6:17
